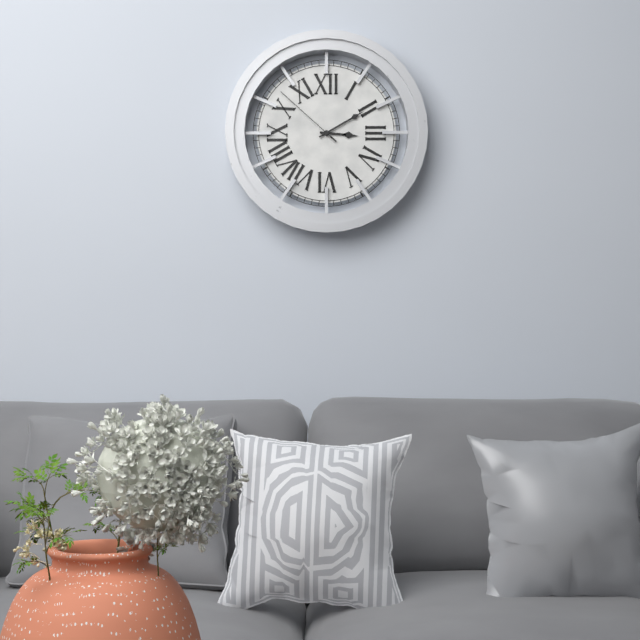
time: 3:10:52
